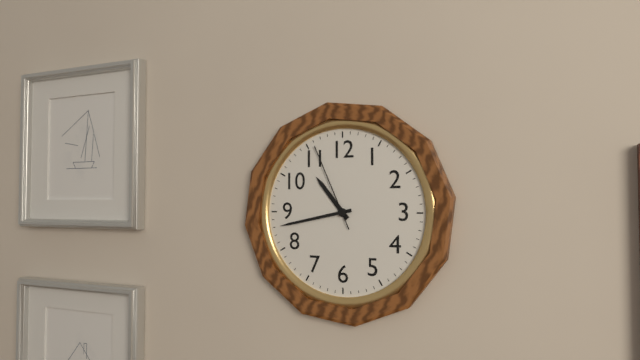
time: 10:43:56
